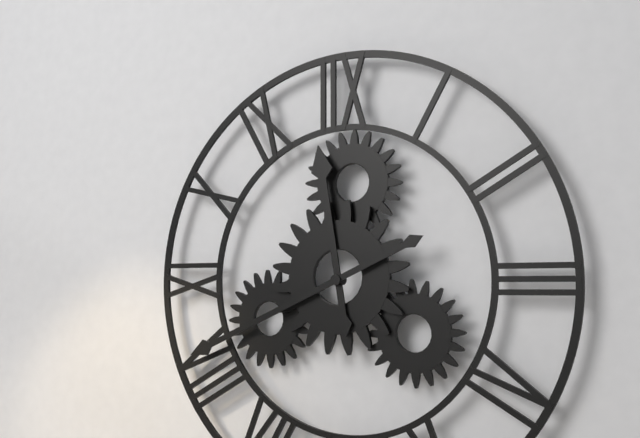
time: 11:41
